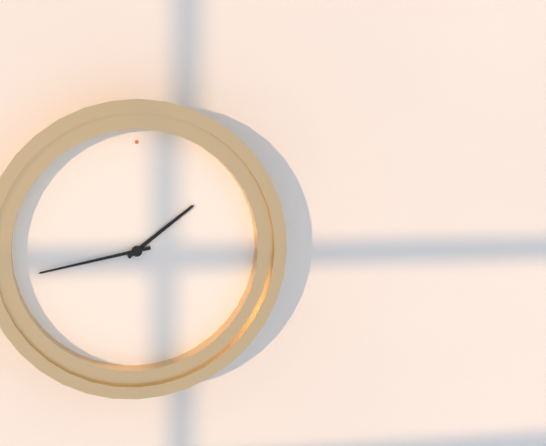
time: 1:43
